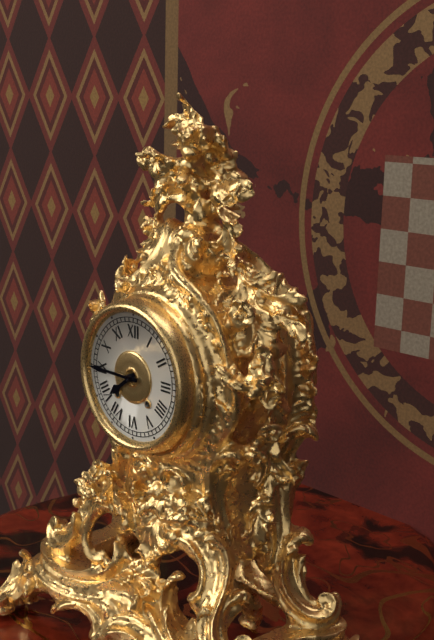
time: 7:45
